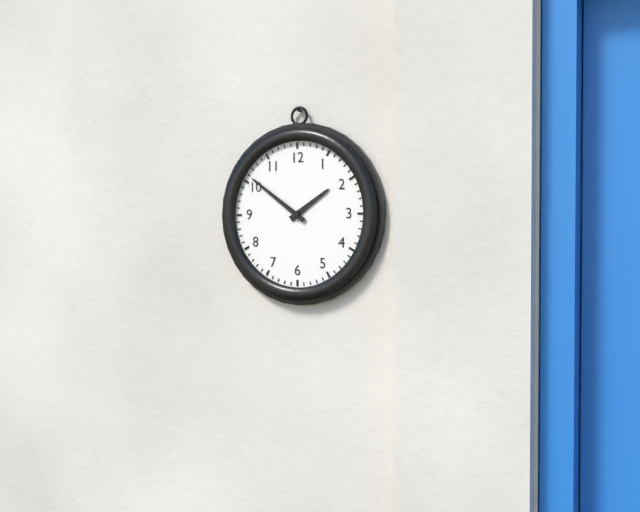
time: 1:51
